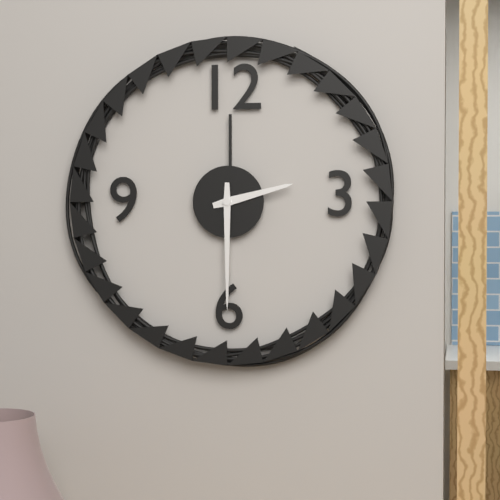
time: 2:30
